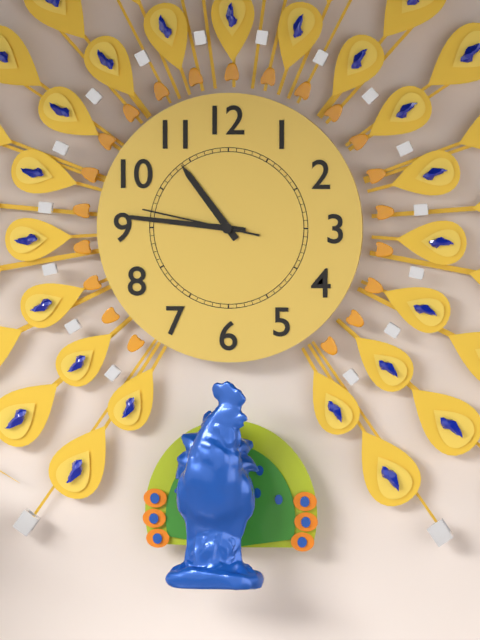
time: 10:46:47
